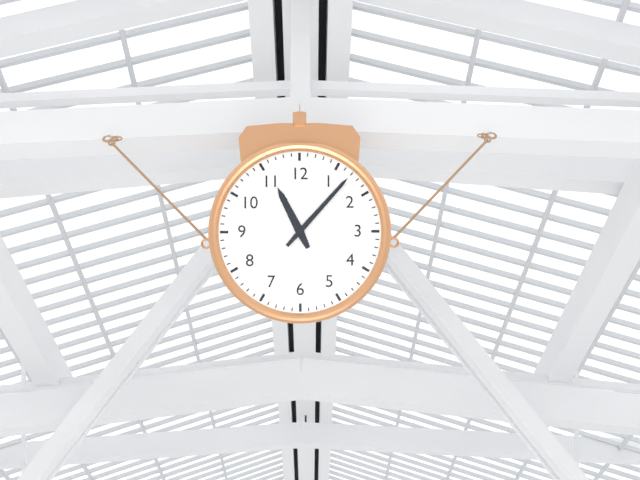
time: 11:07
